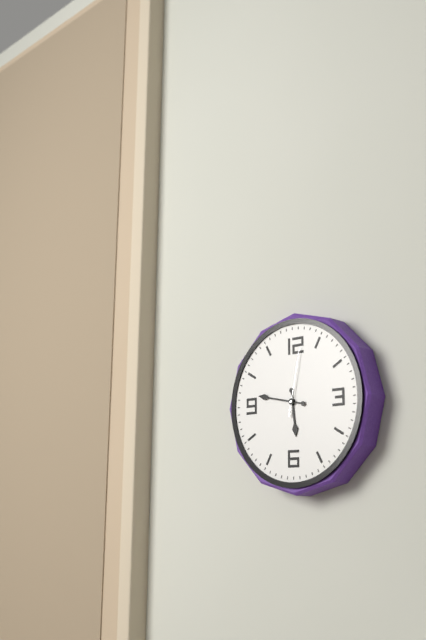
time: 5:47:02
